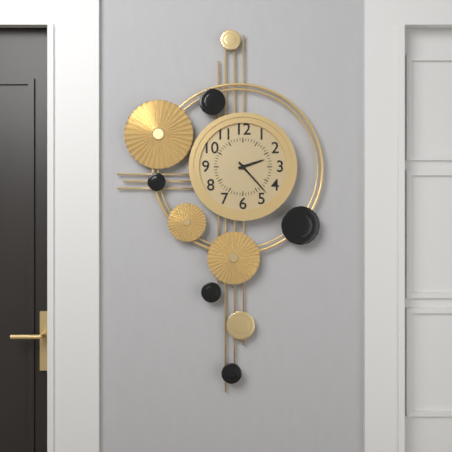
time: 2:23
